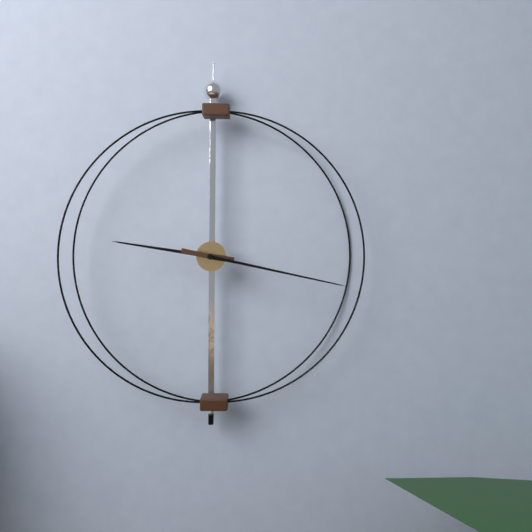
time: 9:17
